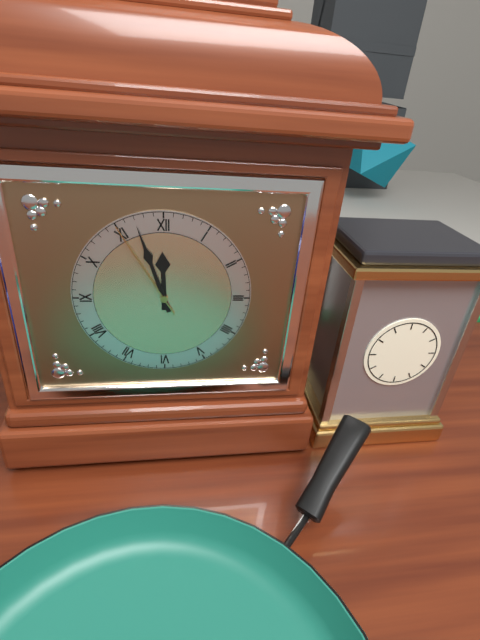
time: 11:57:55
